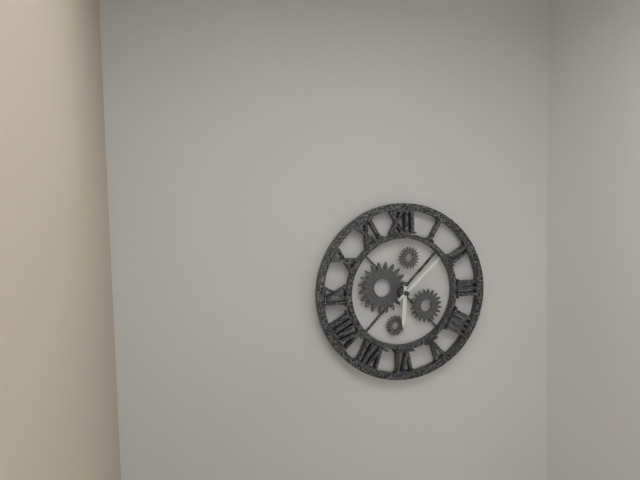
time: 6:08
